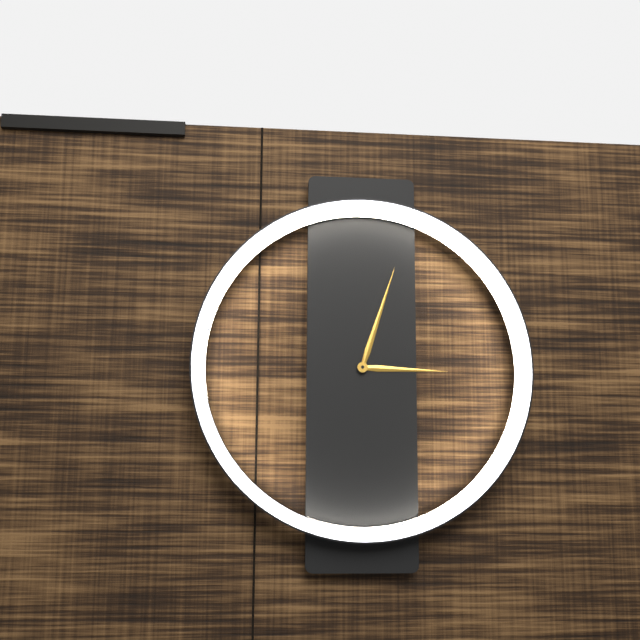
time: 3:03
